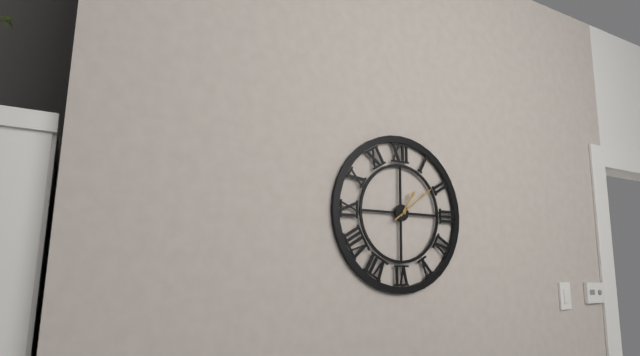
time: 1:09
